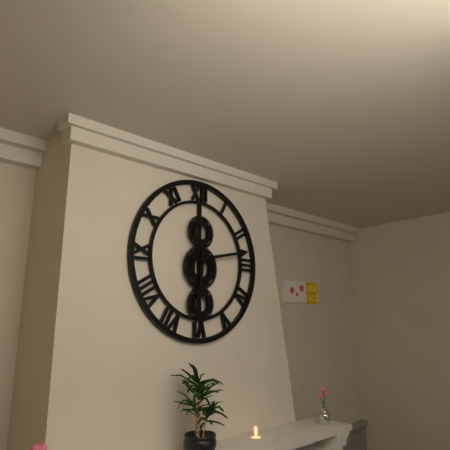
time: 6:13
